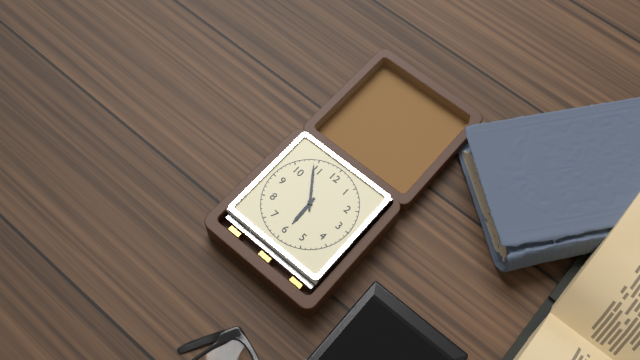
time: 5:54
